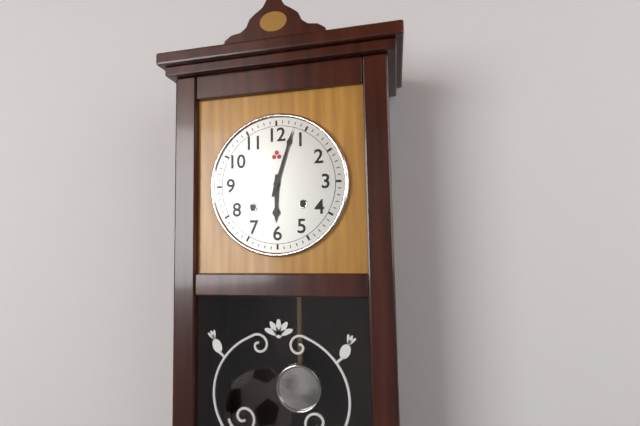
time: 6:03
